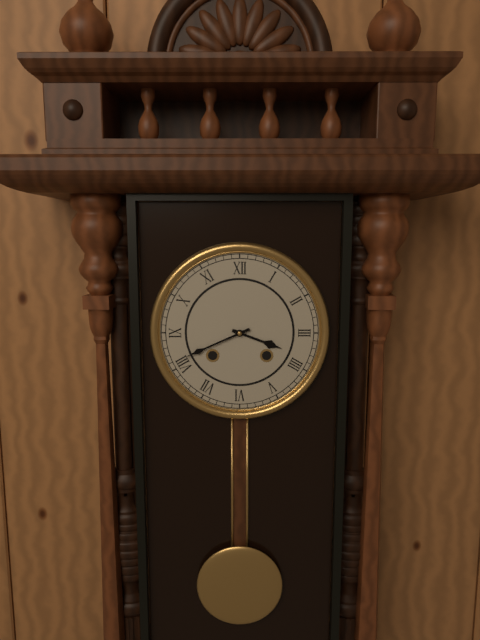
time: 3:41
